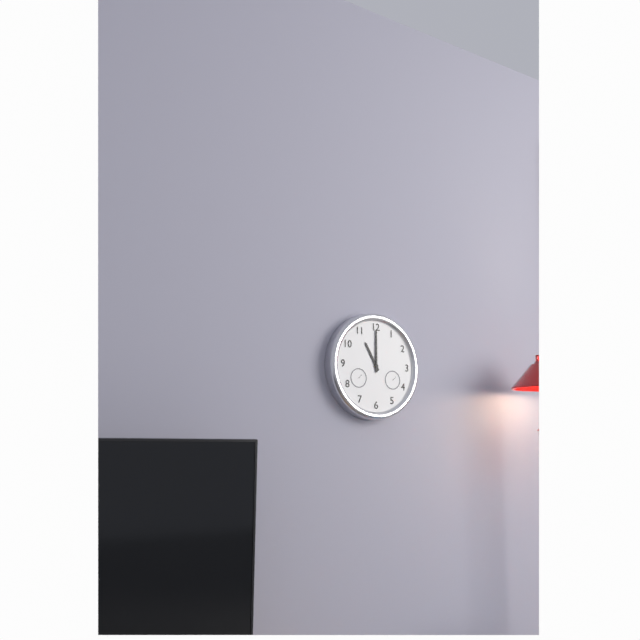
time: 11:00
